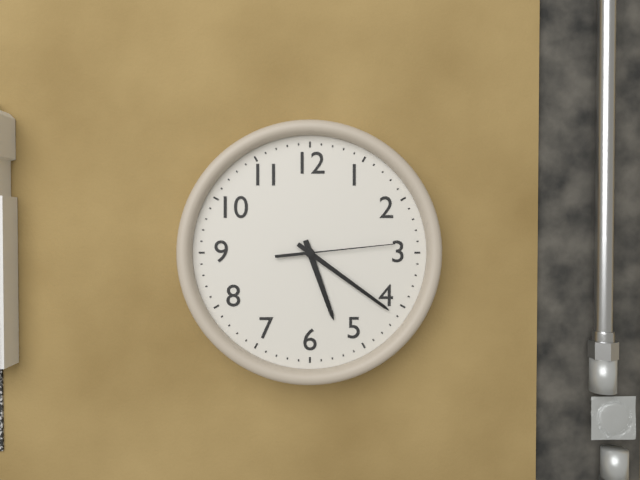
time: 5:21:14
